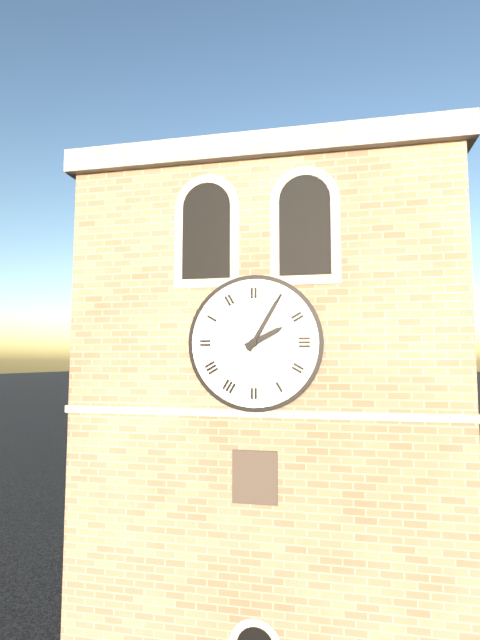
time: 2:05
